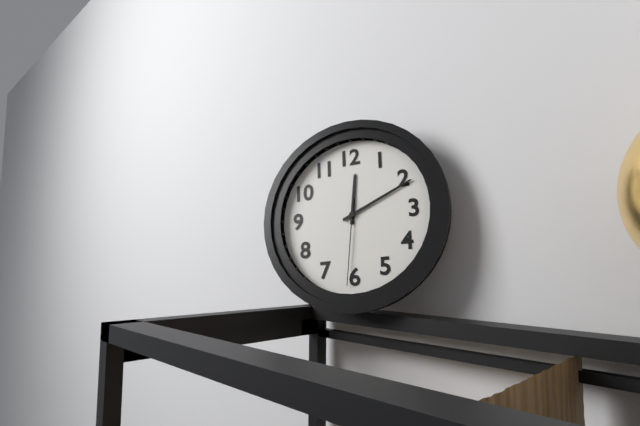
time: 12:11:31
